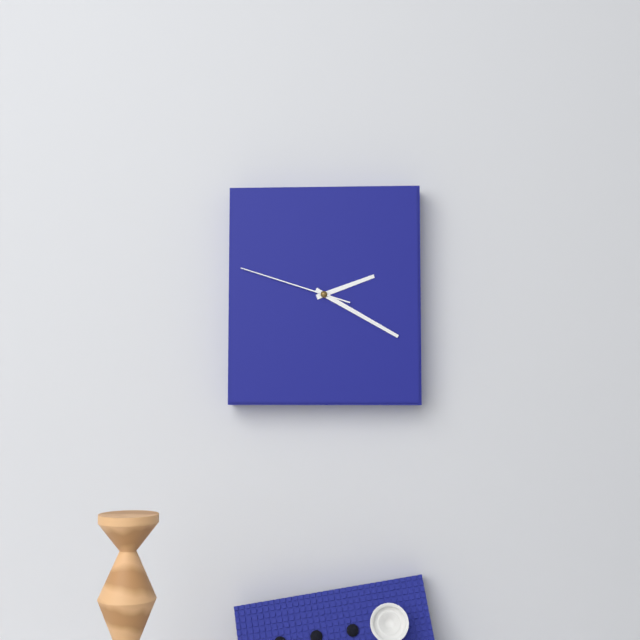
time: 2:20:48
